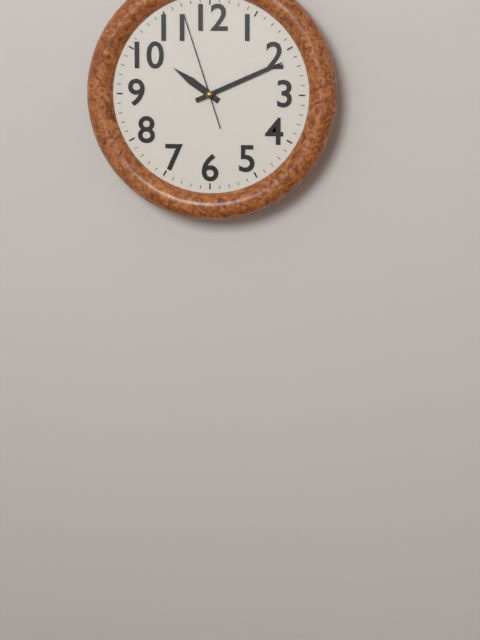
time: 10:11:57
